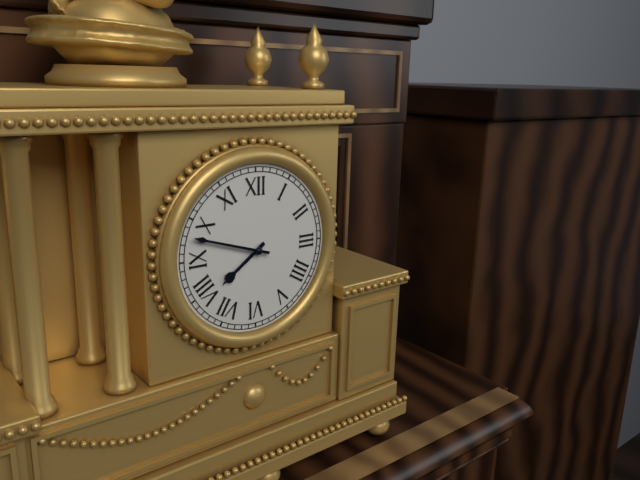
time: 7:48
